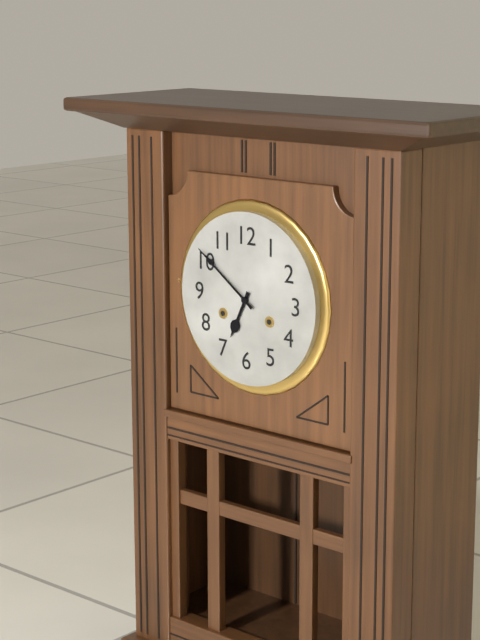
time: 6:51
